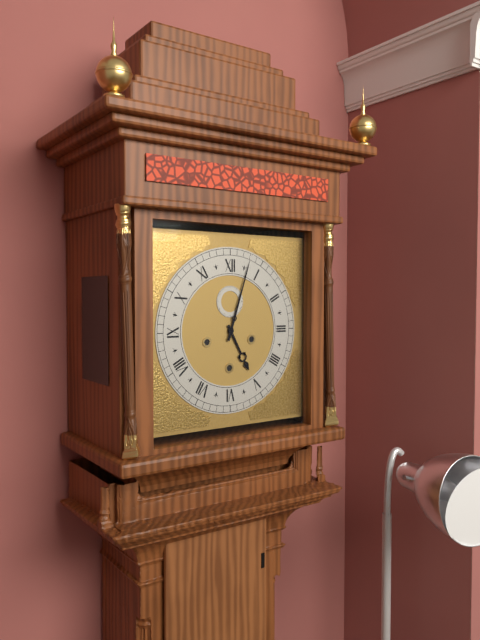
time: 5:03
